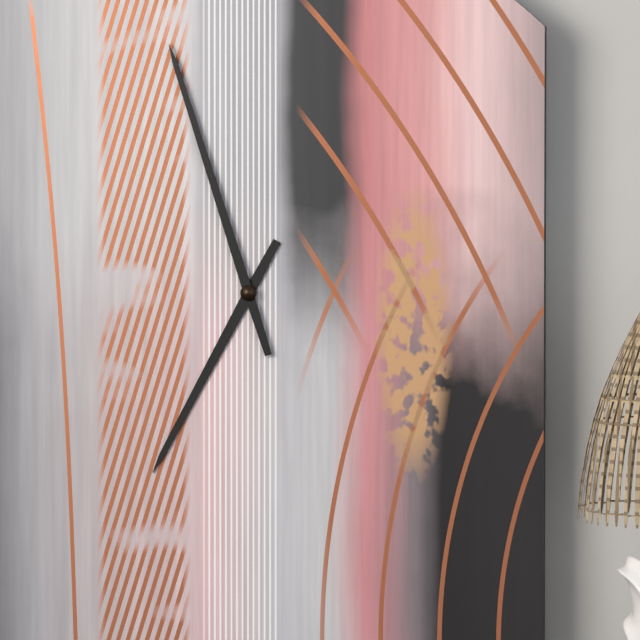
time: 6:57
